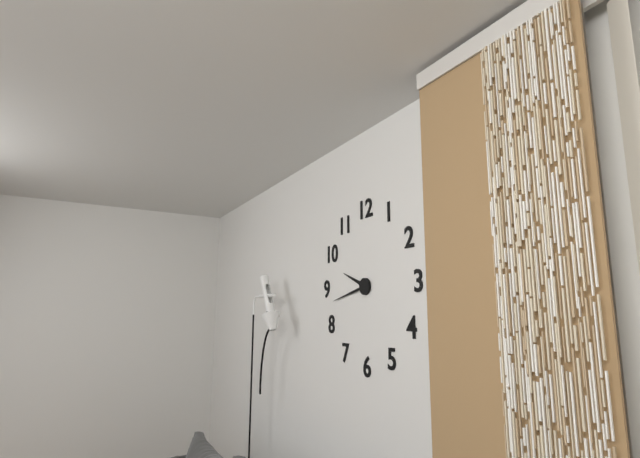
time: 9:43
